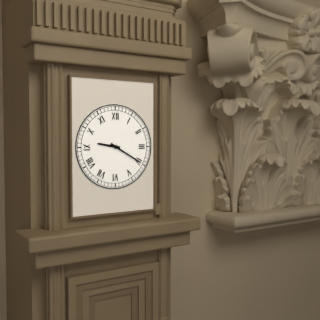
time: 9:20
